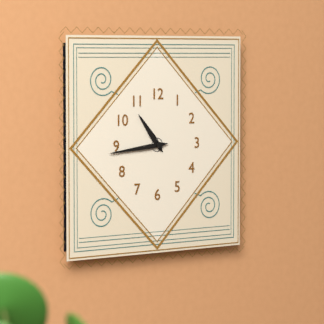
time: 10:44
